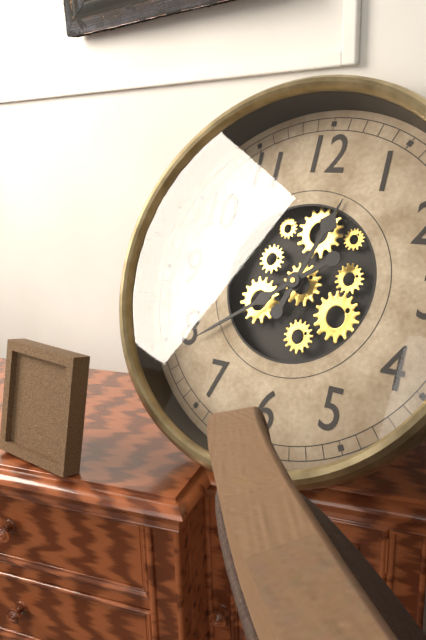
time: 12:39
